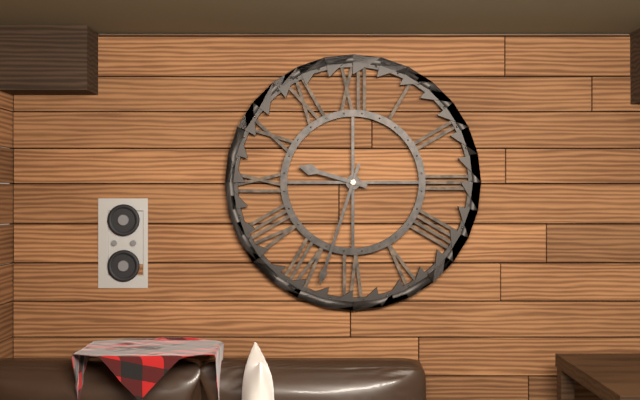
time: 9:33
